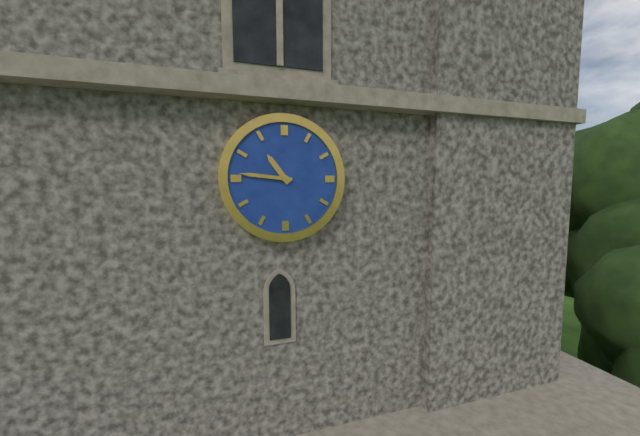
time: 10:46
